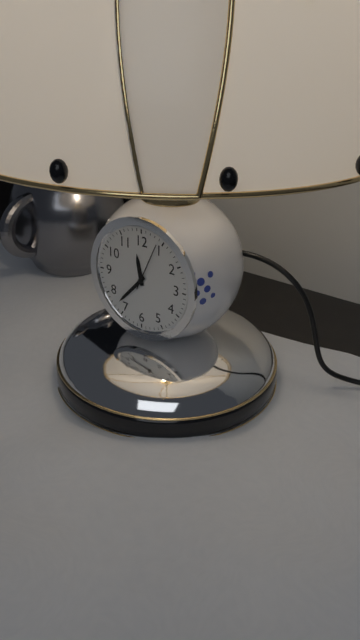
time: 11:37
